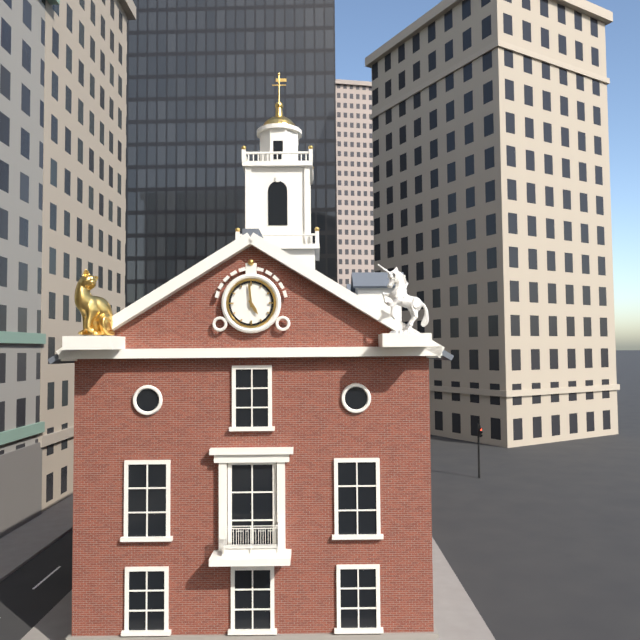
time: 4:59
